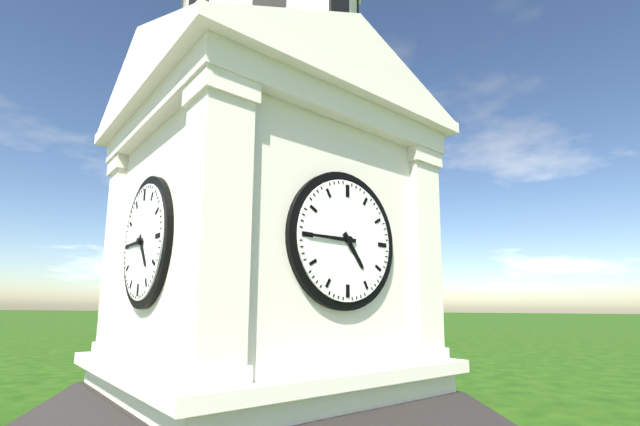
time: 4:45
